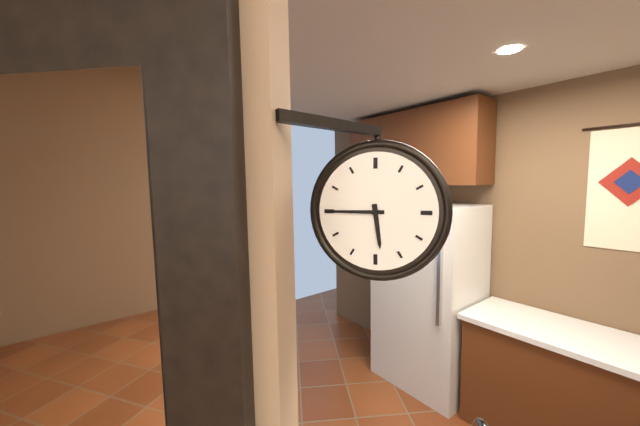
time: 5:45
